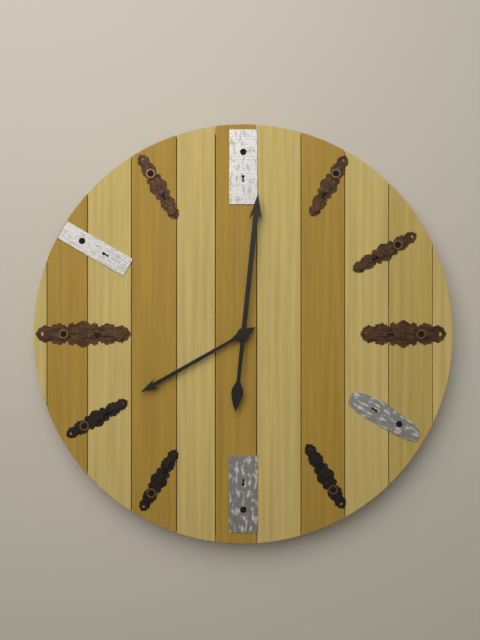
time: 8:01
